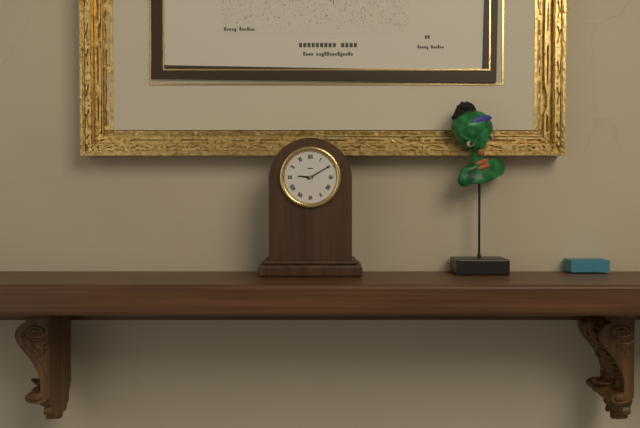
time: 9:10
